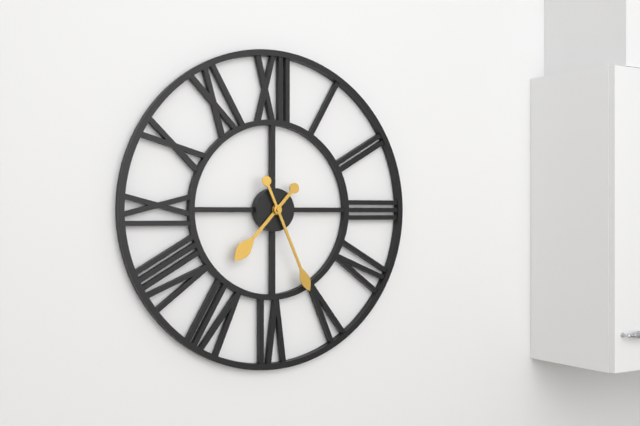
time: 7:26
